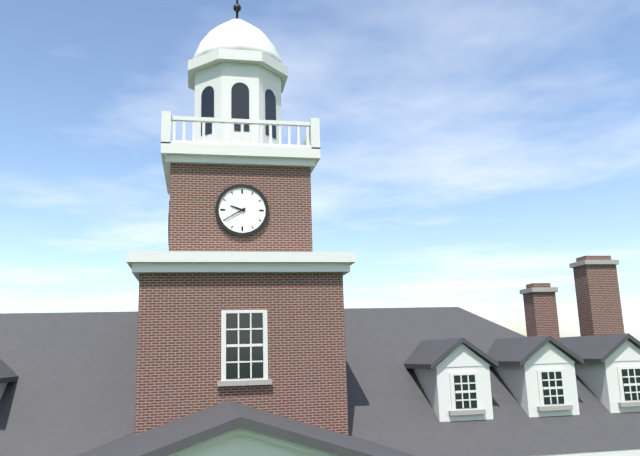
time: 9:40
